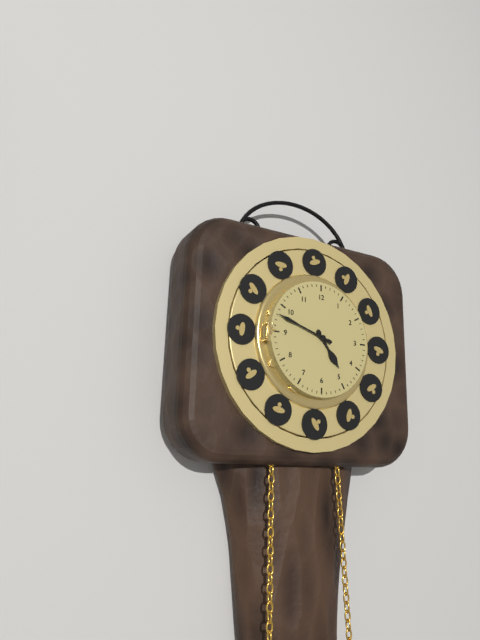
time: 4:48
